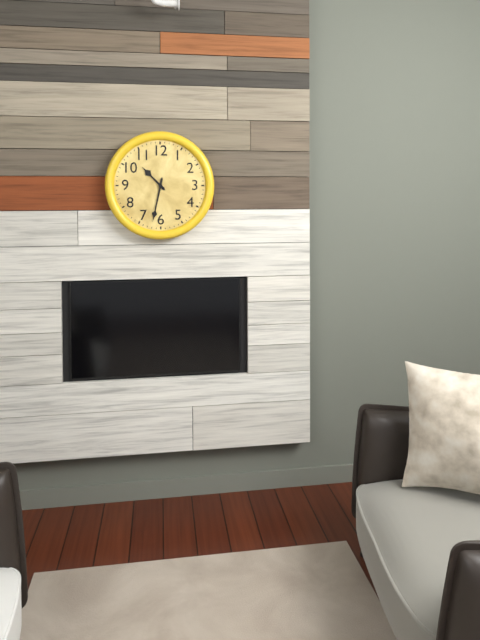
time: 10:32
